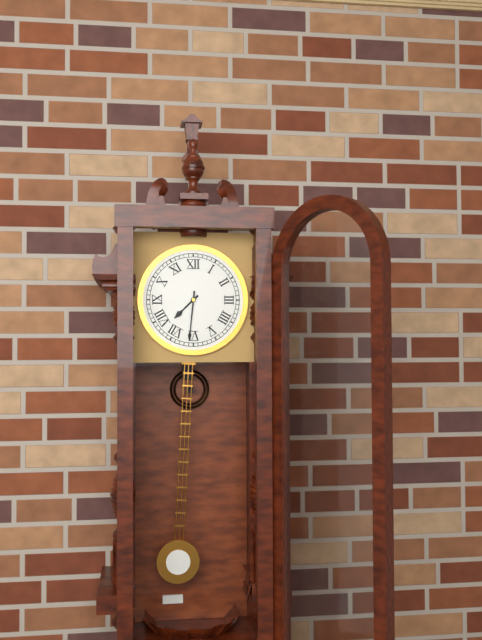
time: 7:31
